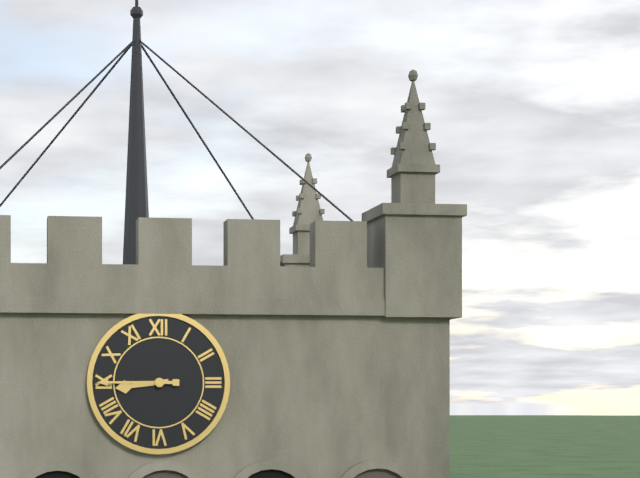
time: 8:45
